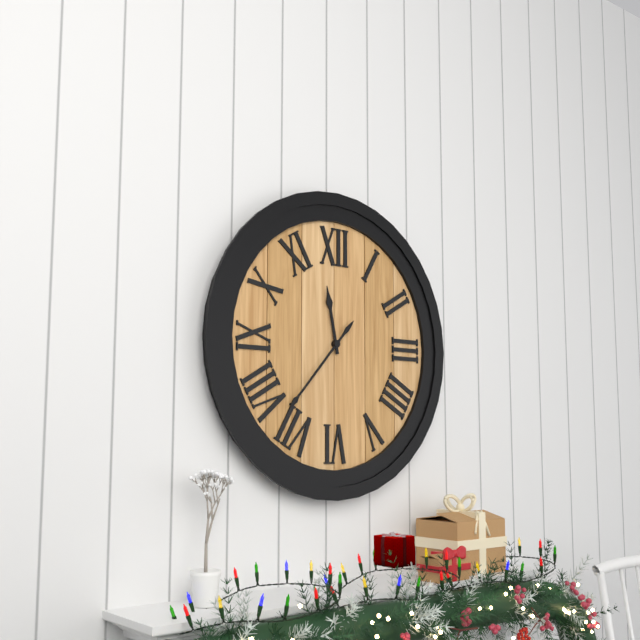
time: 11:37
